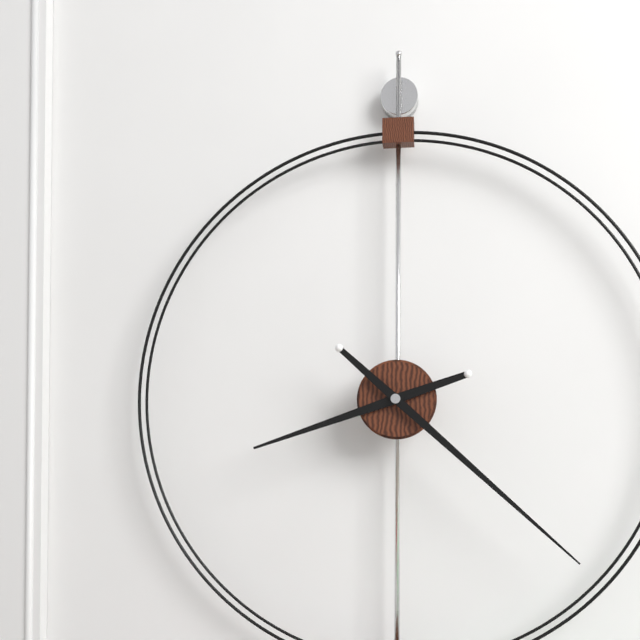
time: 8:22
